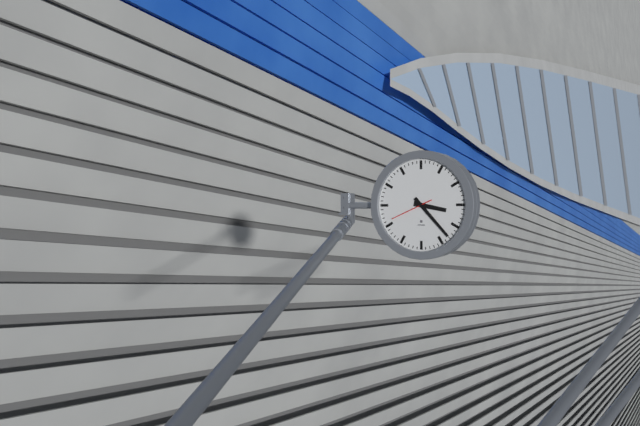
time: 3:23
